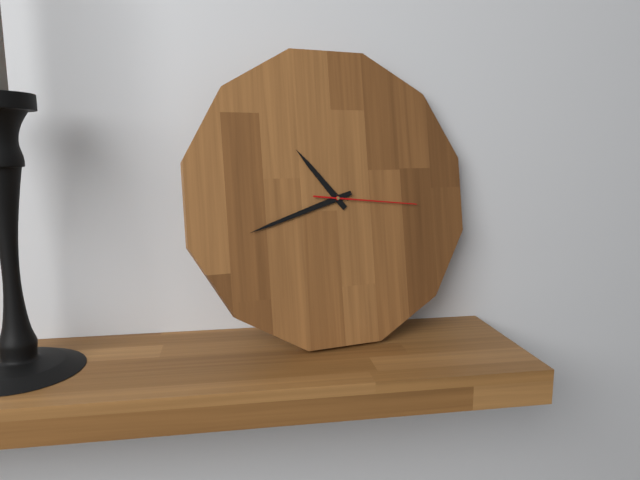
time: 10:42:16
